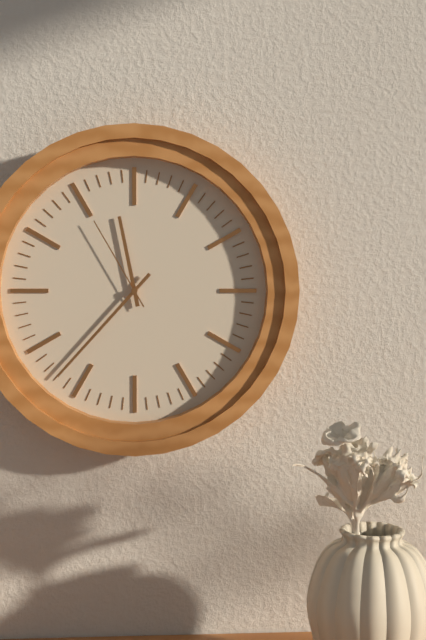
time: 11:37:55
